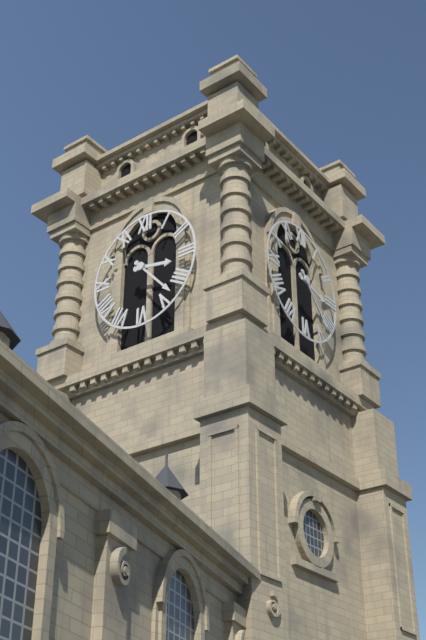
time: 3:23
